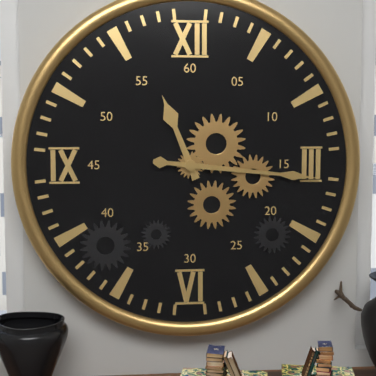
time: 11:16
